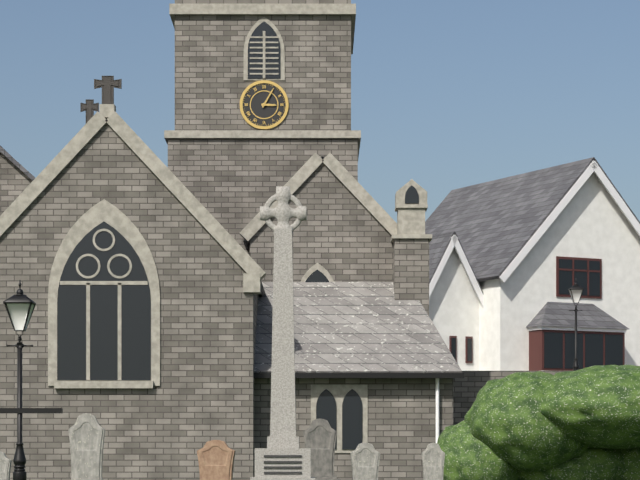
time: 3:05
